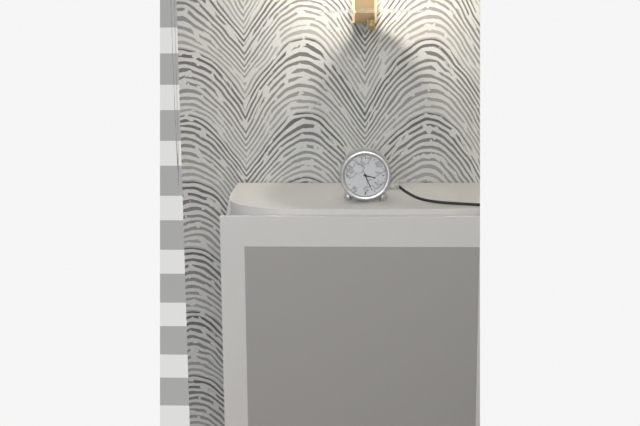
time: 3:26
